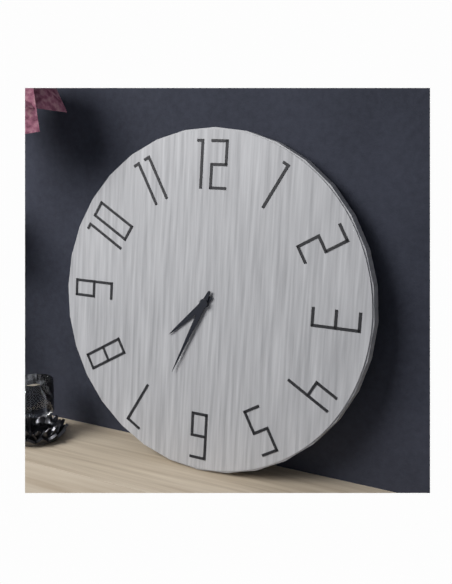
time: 7:34
